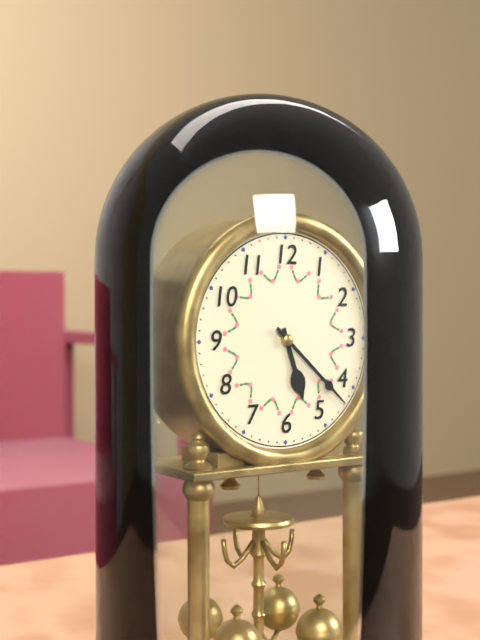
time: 5:22
